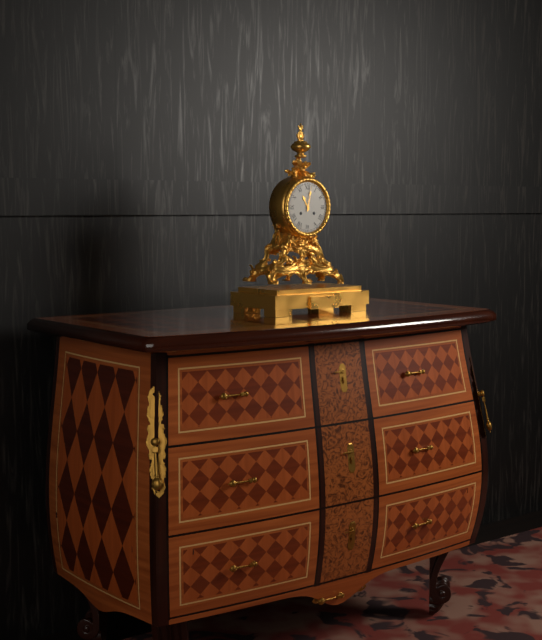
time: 11:02
